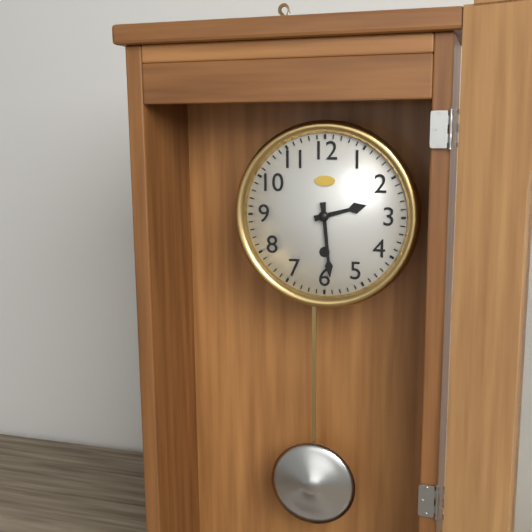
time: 2:29
